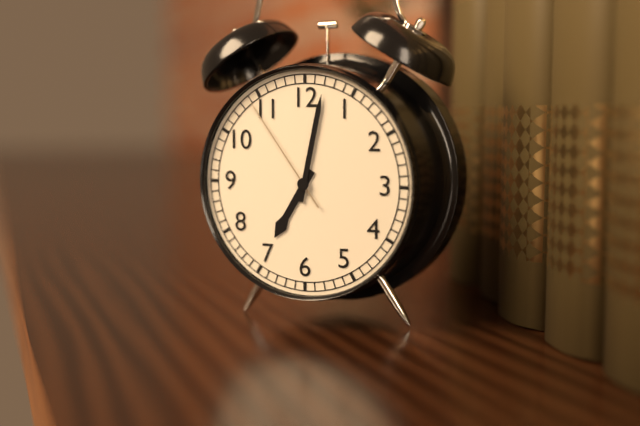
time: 7:02:54
